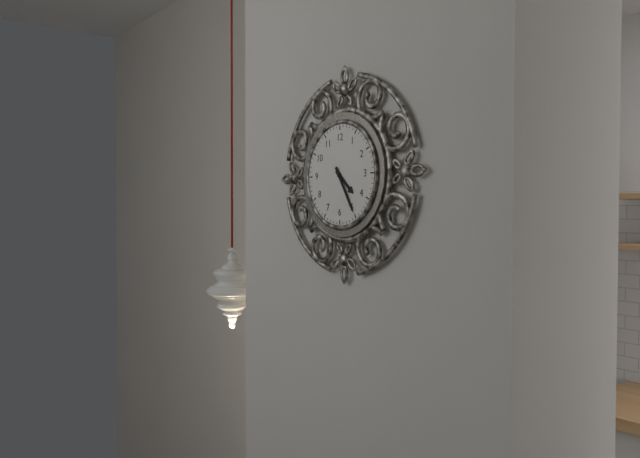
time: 4:25
